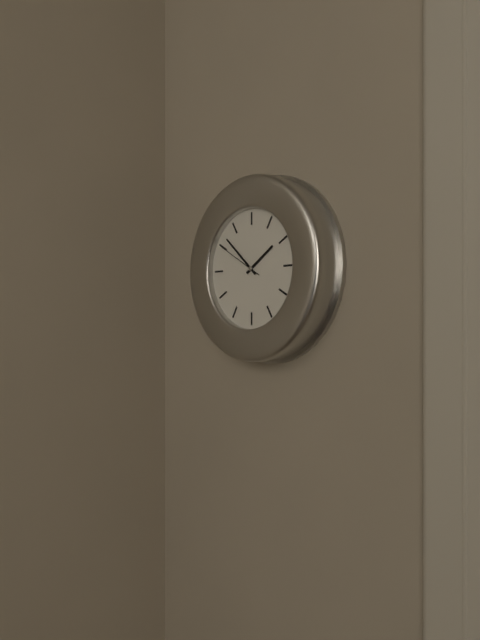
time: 1:52
